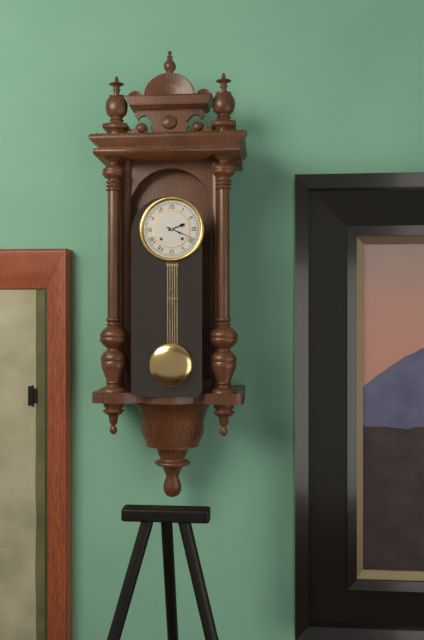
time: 2:19
